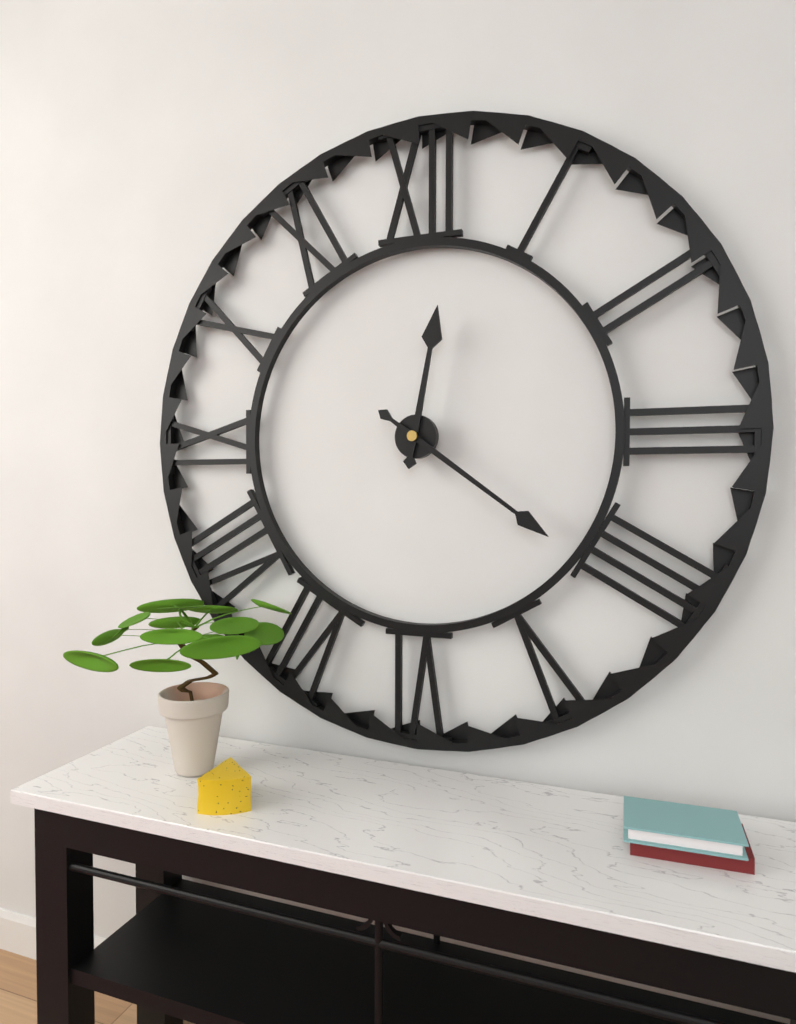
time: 12:21
